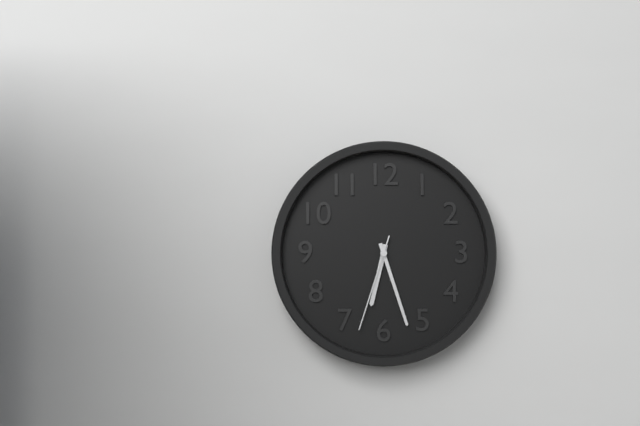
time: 6:27:33
